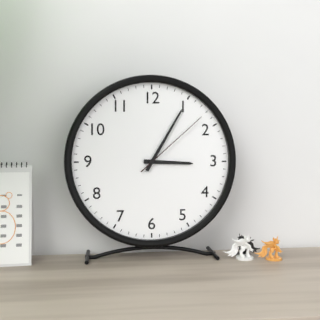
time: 3:05:08
